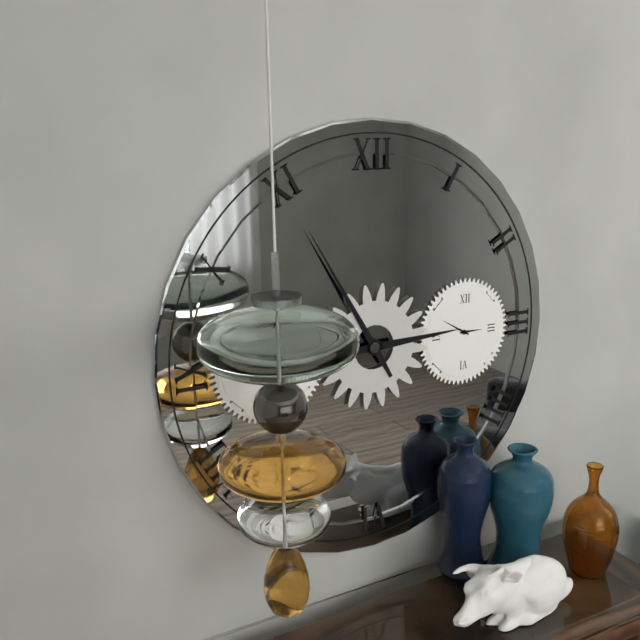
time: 2:55
